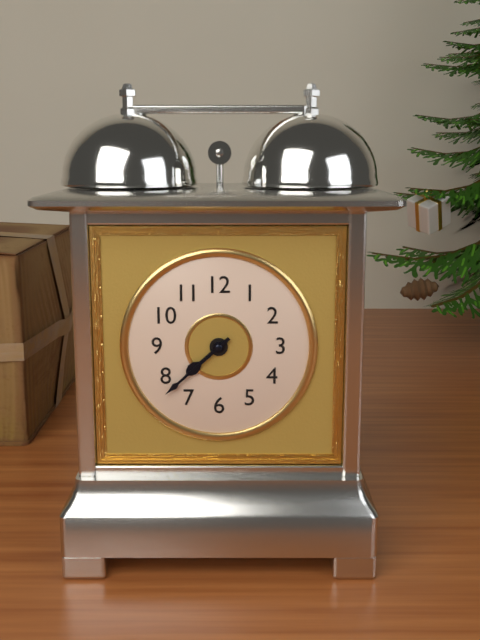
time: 7:38
